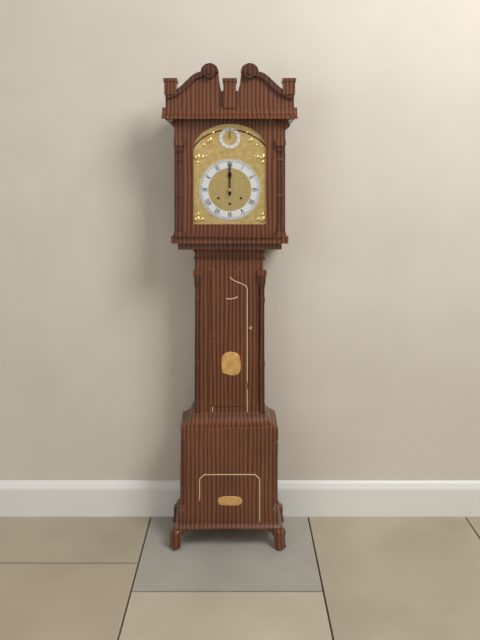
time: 12:00
